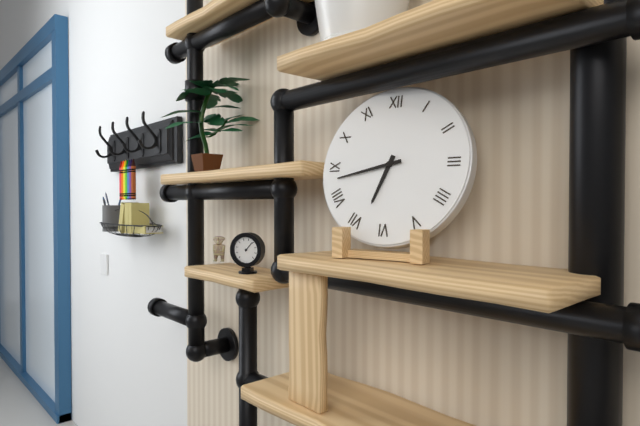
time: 6:43
